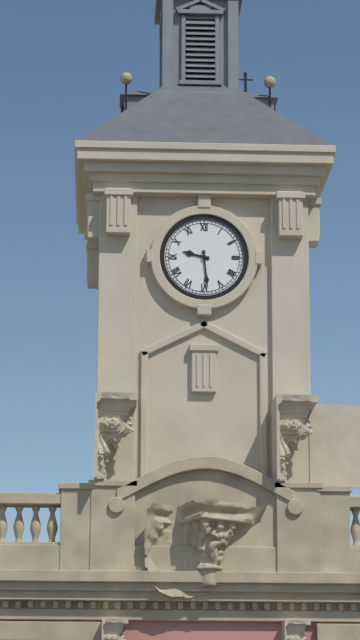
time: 9:29
